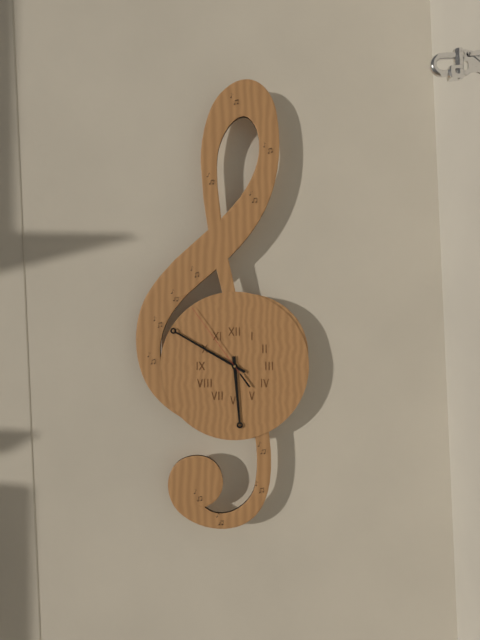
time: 5:50:54
